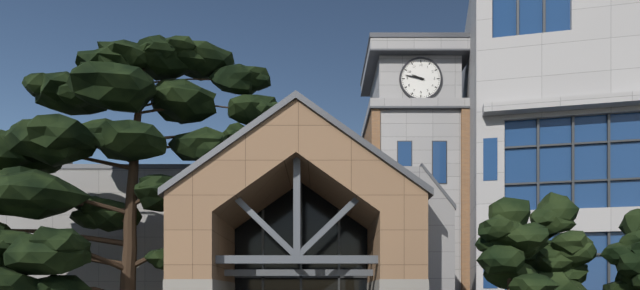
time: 9:47
